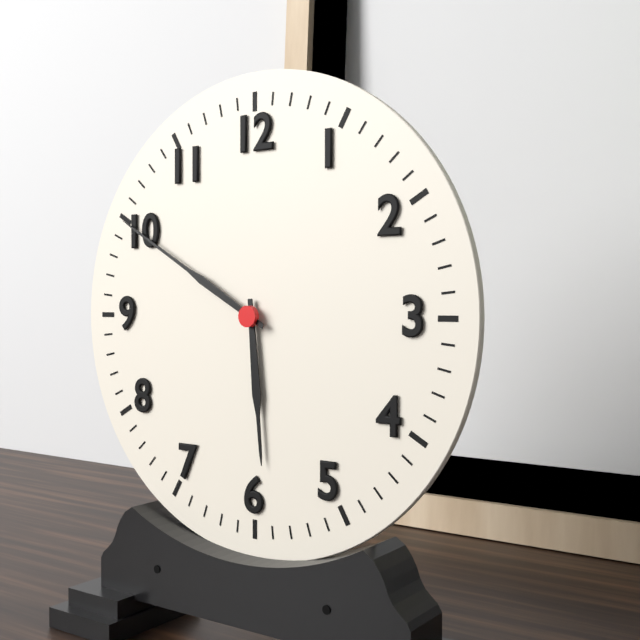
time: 5:50
